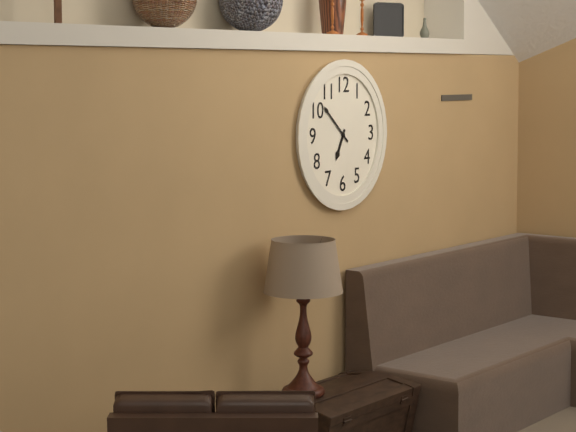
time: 6:52
